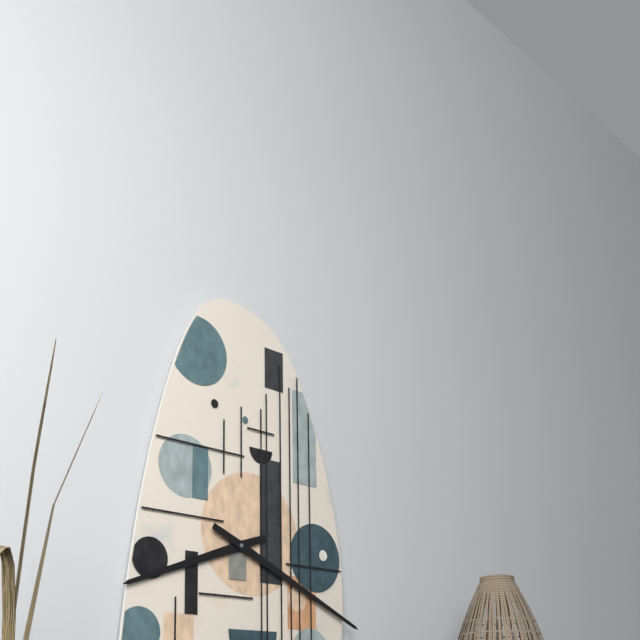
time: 8:19
